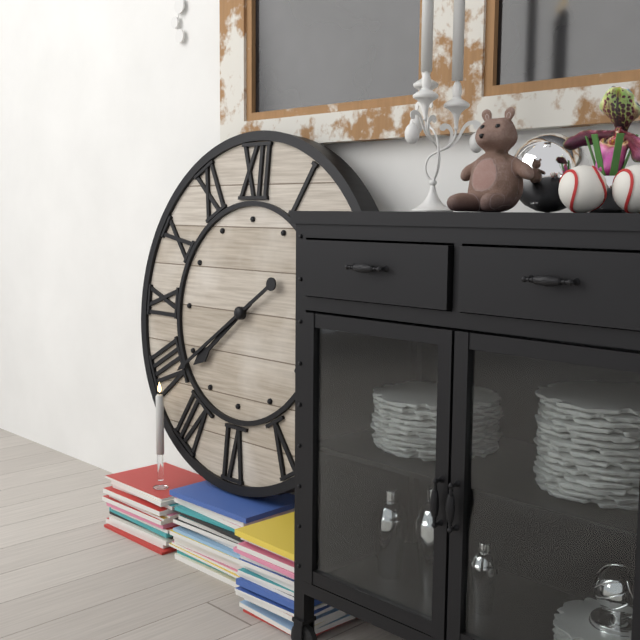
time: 7:39
